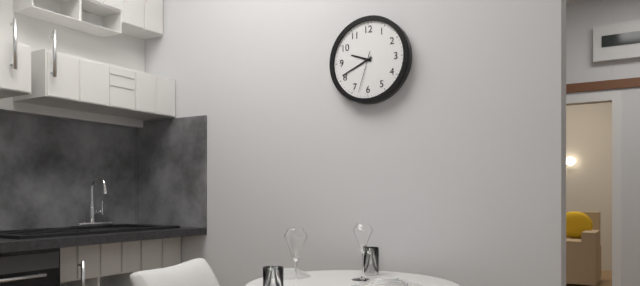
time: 9:41
